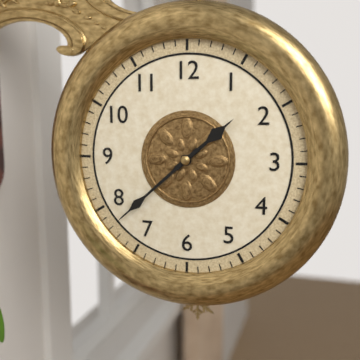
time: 1:38
